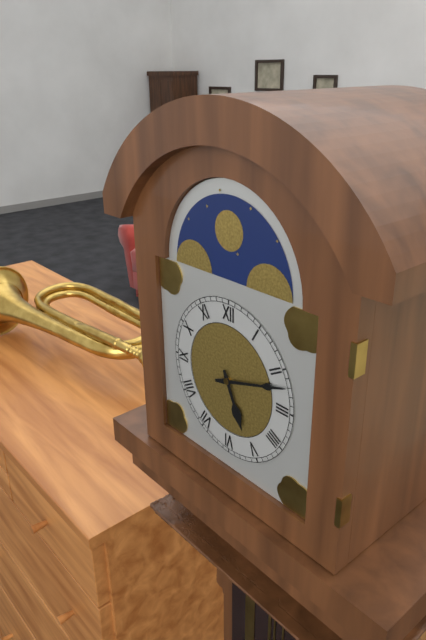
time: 5:12
